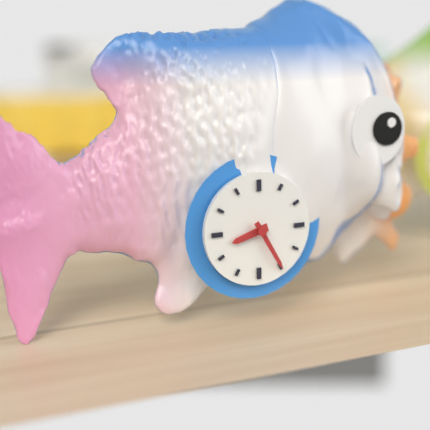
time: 8:25
